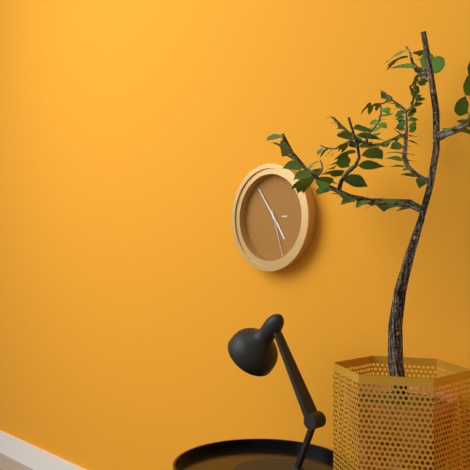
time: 4:54
